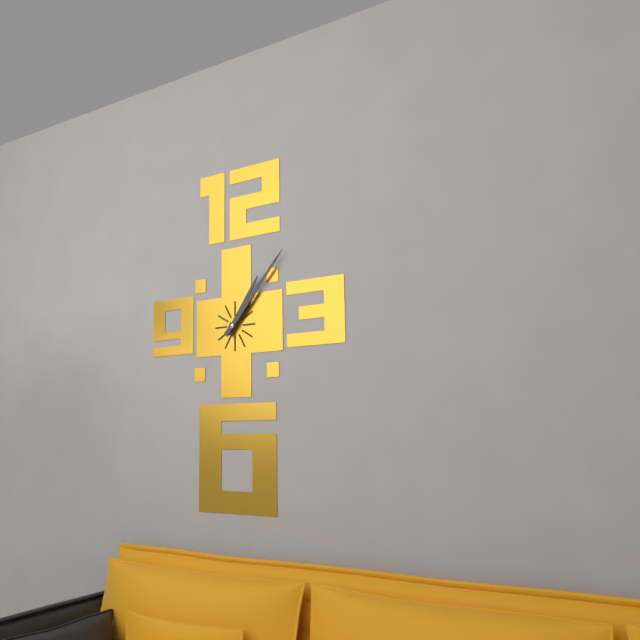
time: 1:07
